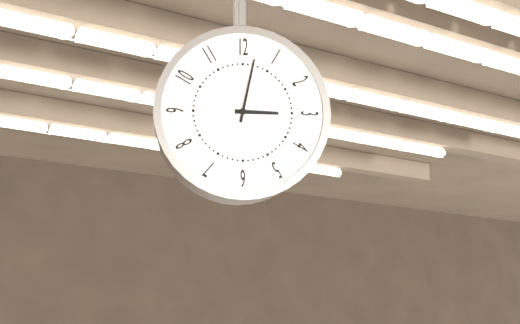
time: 3:02
